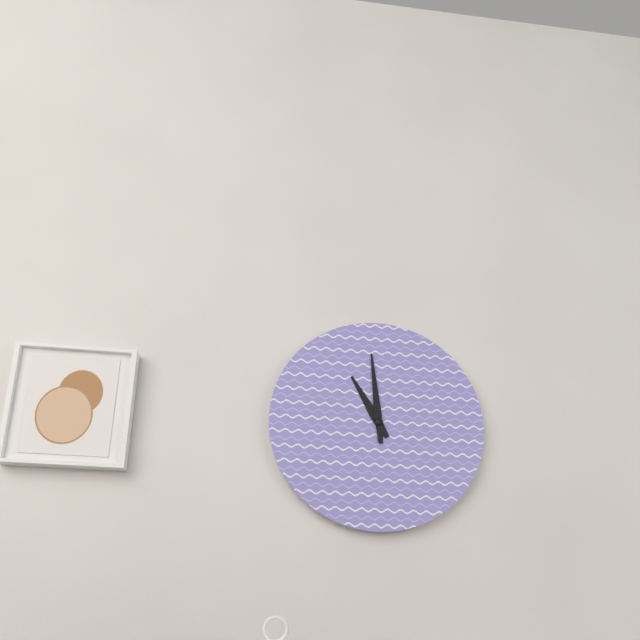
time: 10:59
